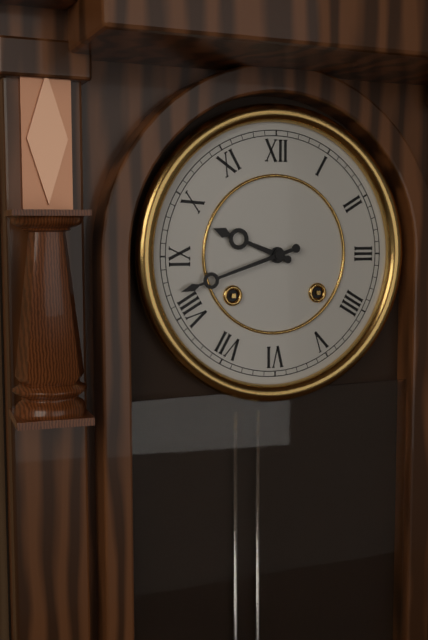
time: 9:42
